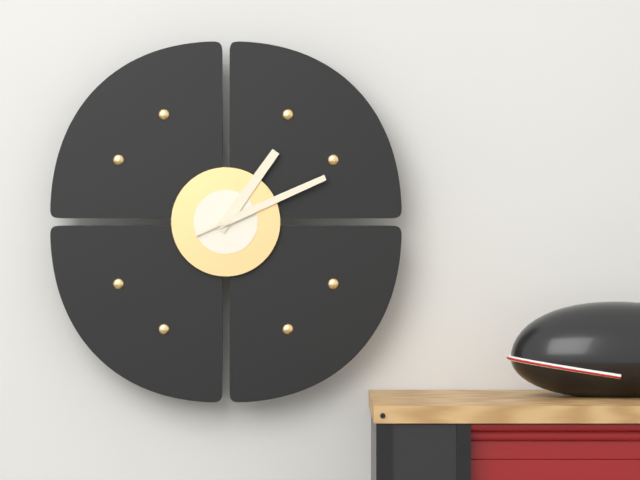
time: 1:11
